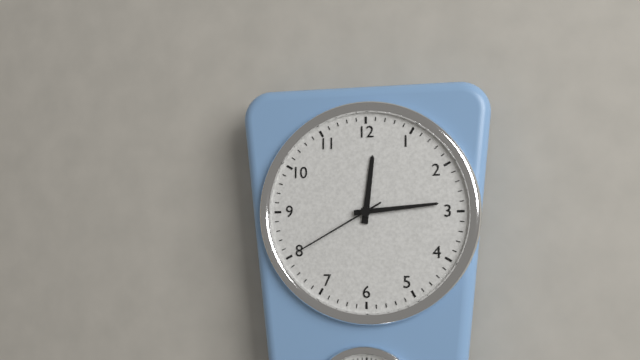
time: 12:14:40
